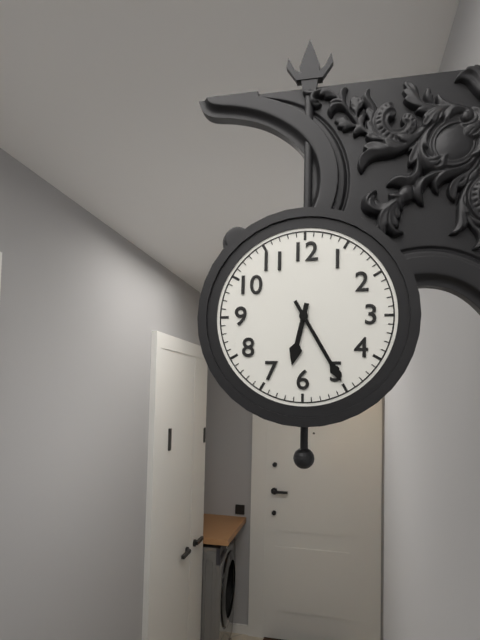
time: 6:25
